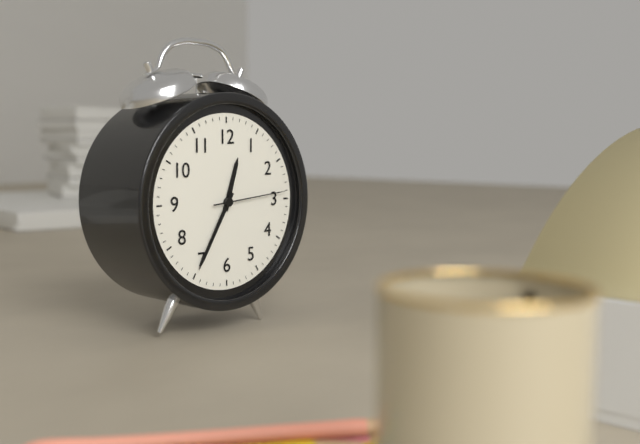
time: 12:35:14
